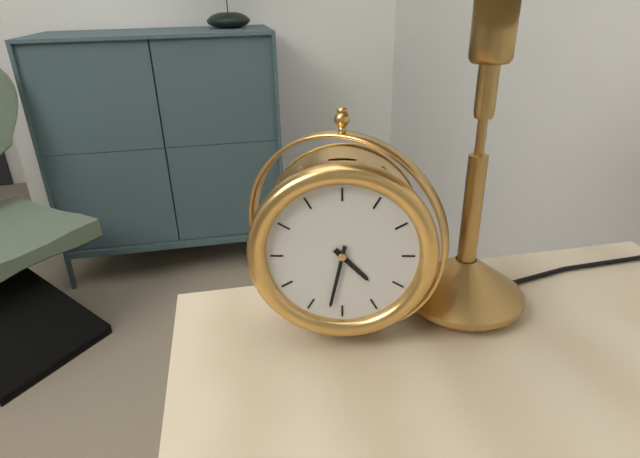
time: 4:32
